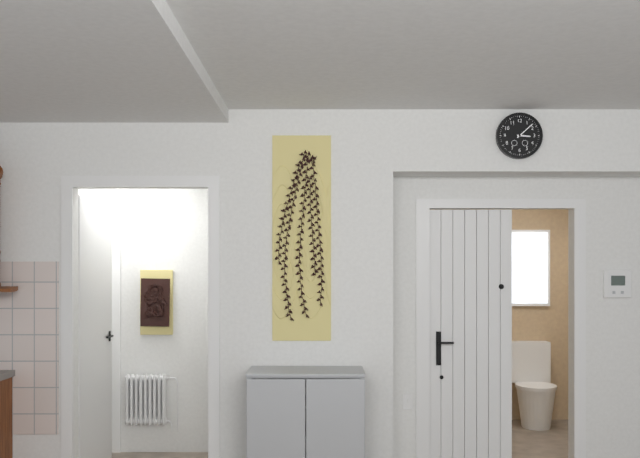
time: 3:08
